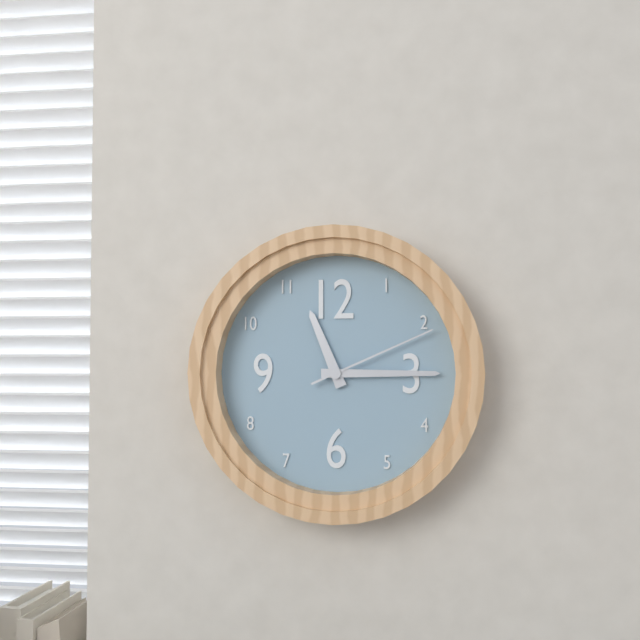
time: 11:15:11
